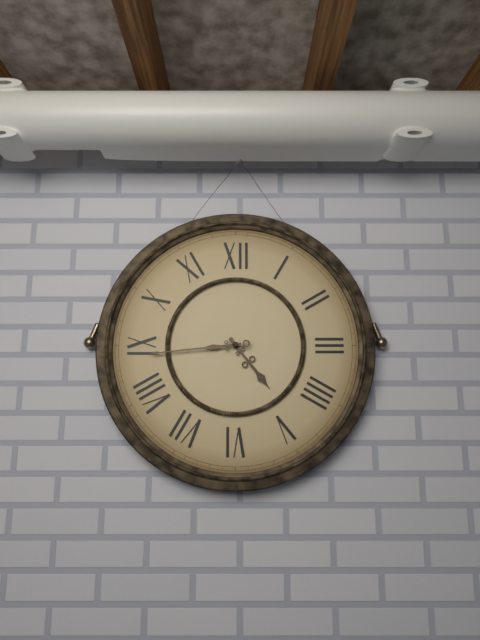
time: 4:44
